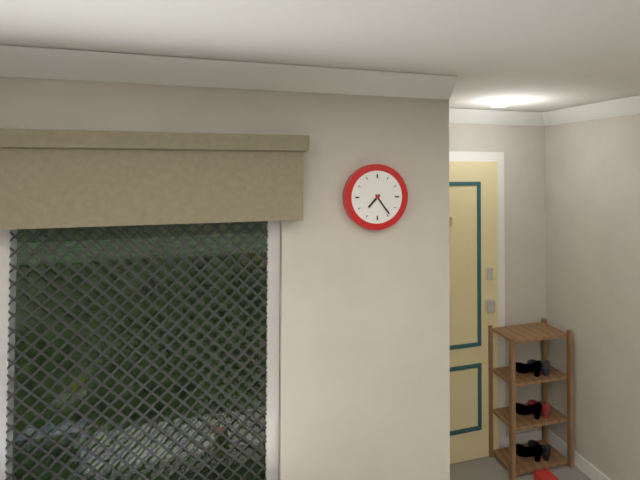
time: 7:24
